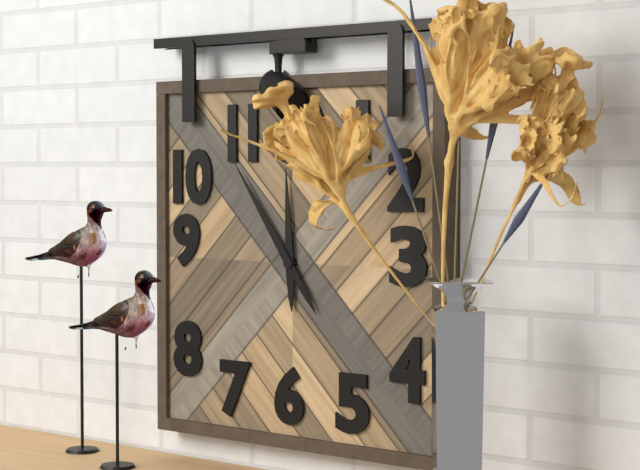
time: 11:54
